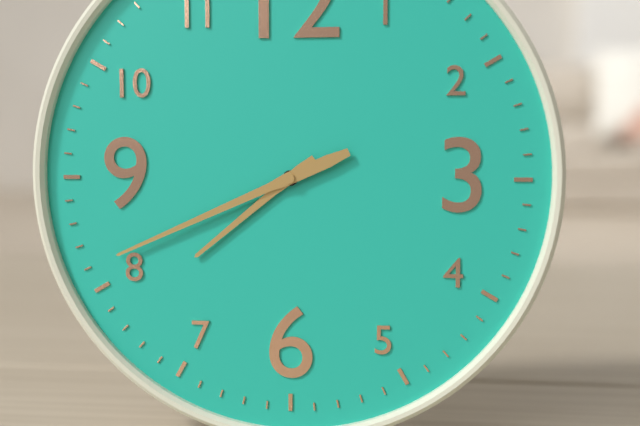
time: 7:41
